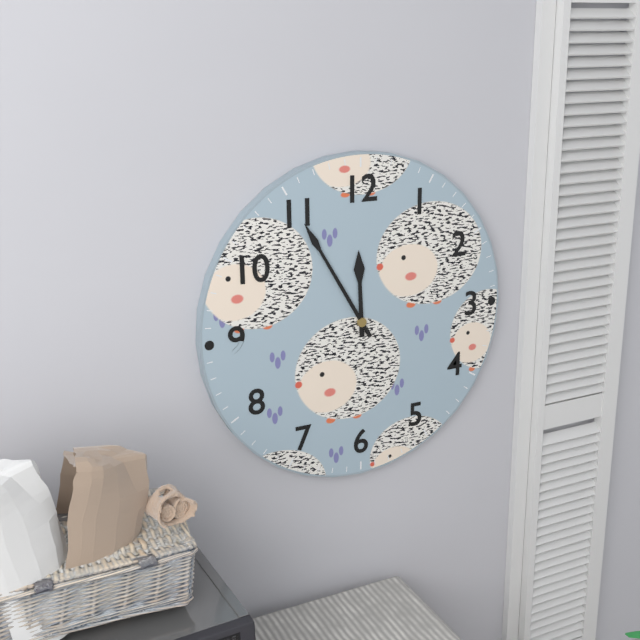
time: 11:55
